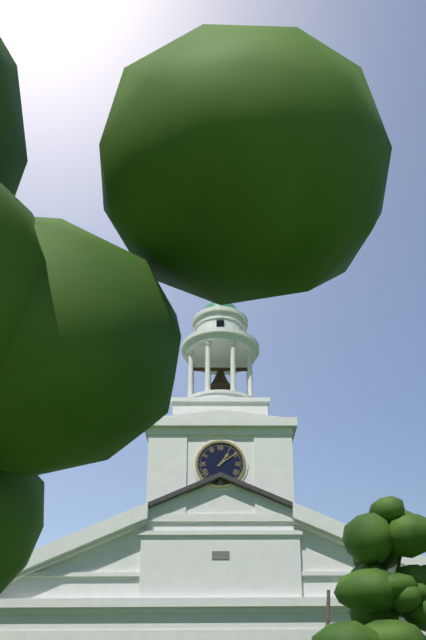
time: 1:09
